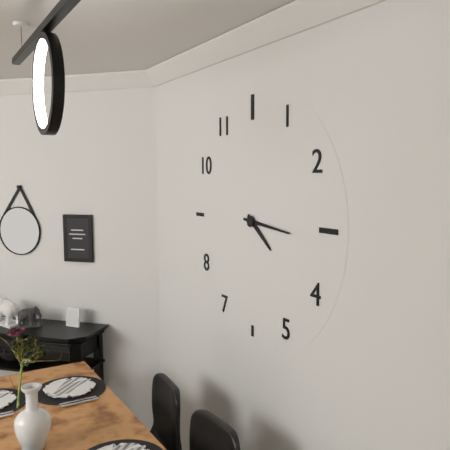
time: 4:16
